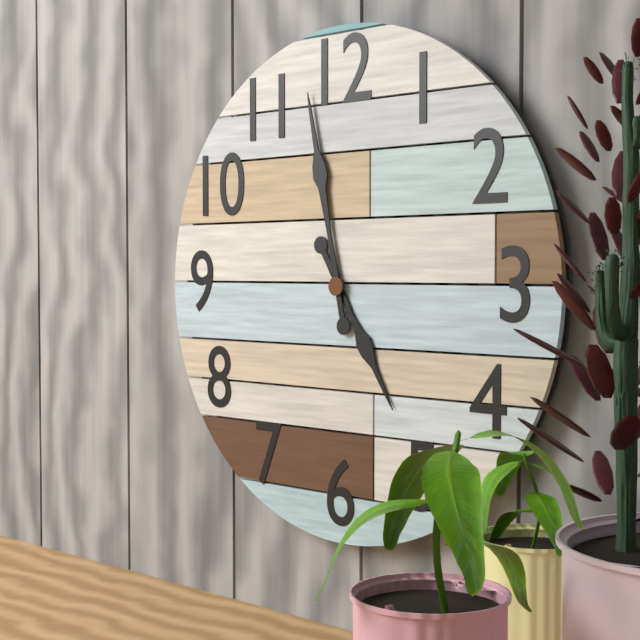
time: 4:58
